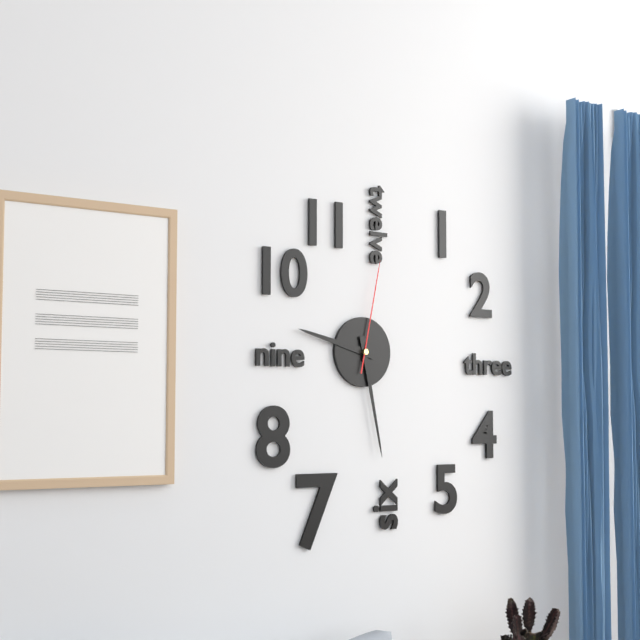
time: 9:28:02
